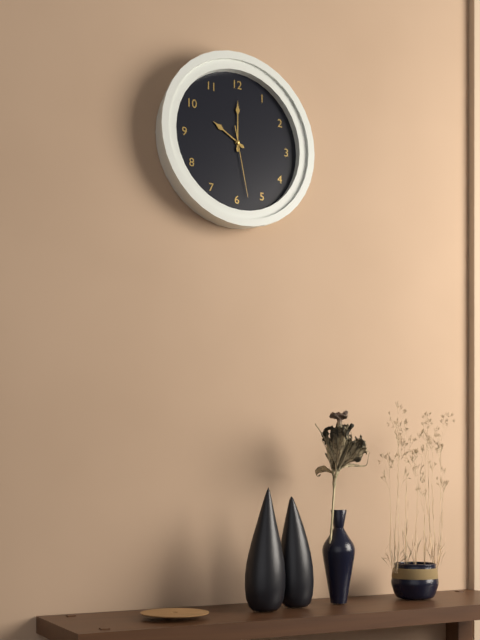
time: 10:00:28
